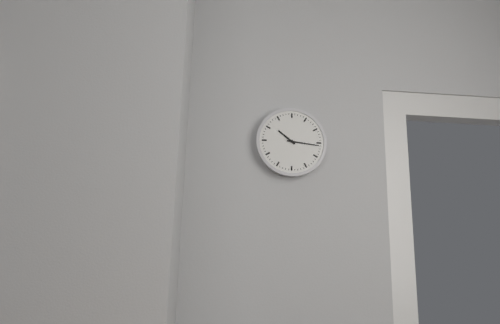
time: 10:16
